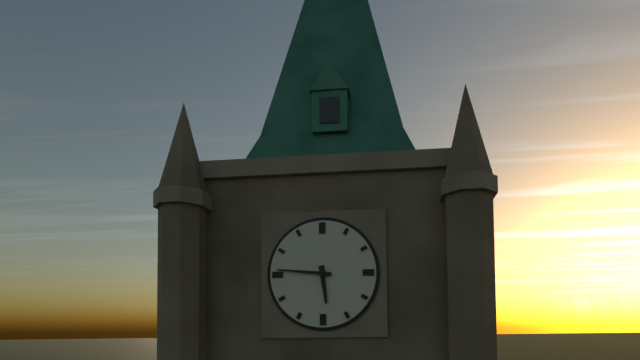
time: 5:46
